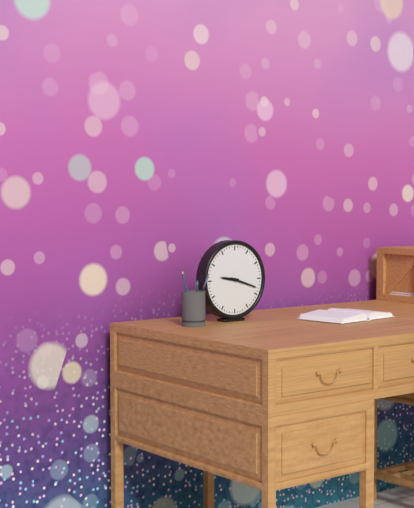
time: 9:18
